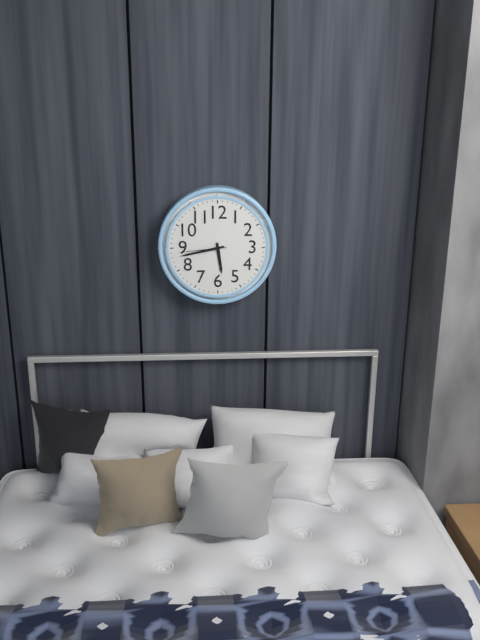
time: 5:43:44
